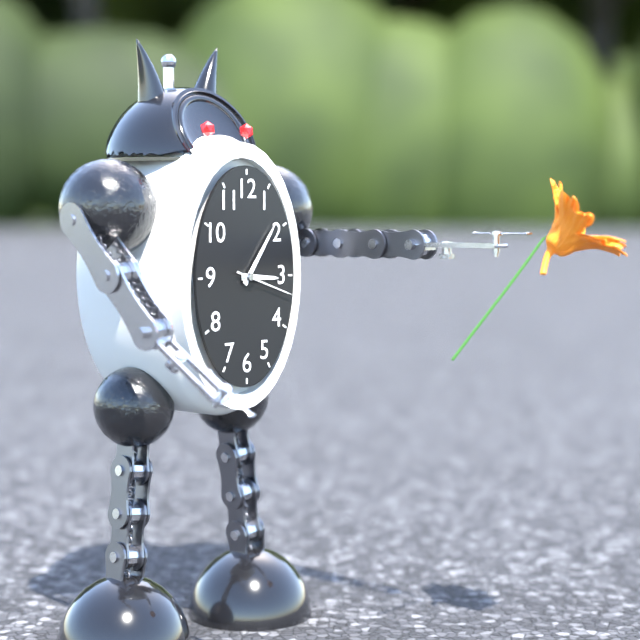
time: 3:06:18
